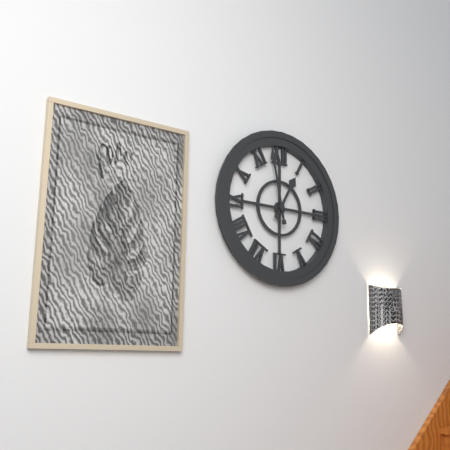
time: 12:58
